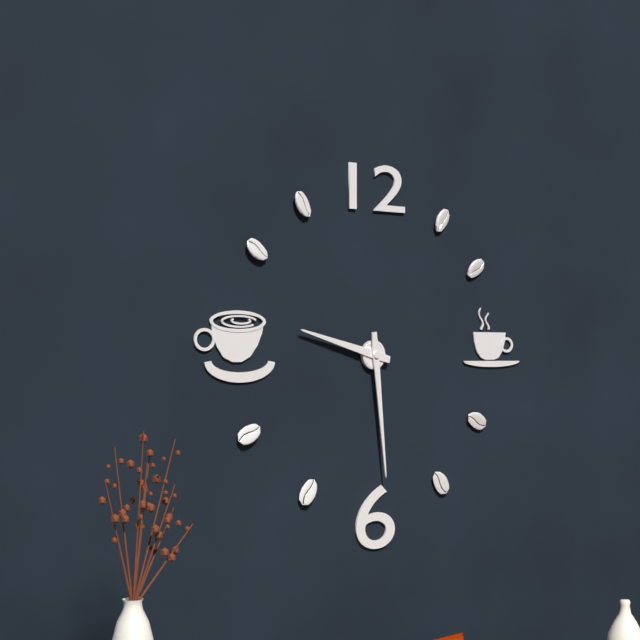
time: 9:29
